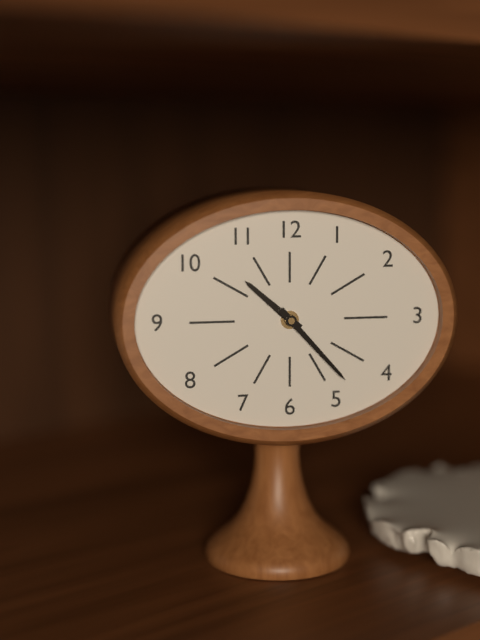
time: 10:23
